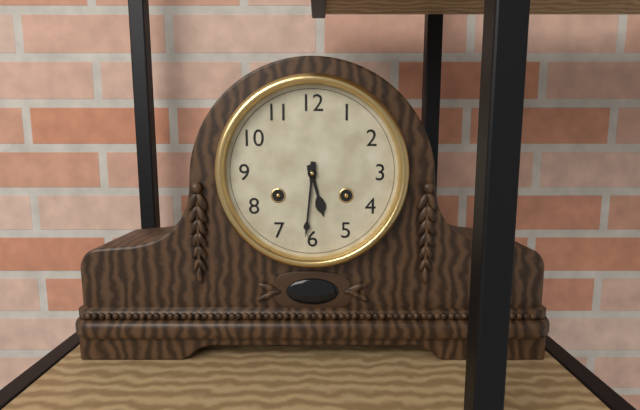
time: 5:31
